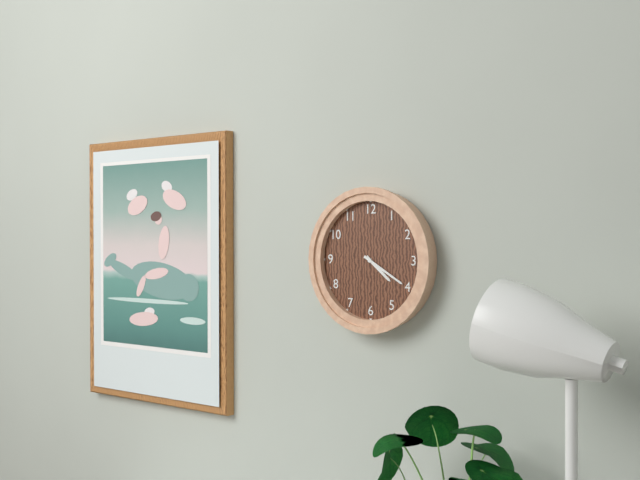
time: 4:20
